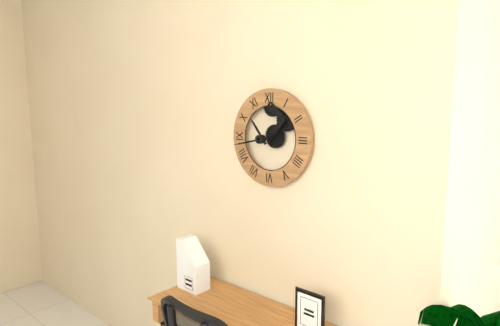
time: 10:43
